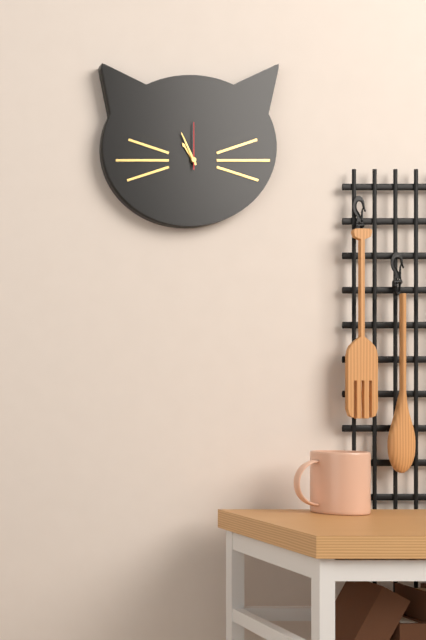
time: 10:56:00
